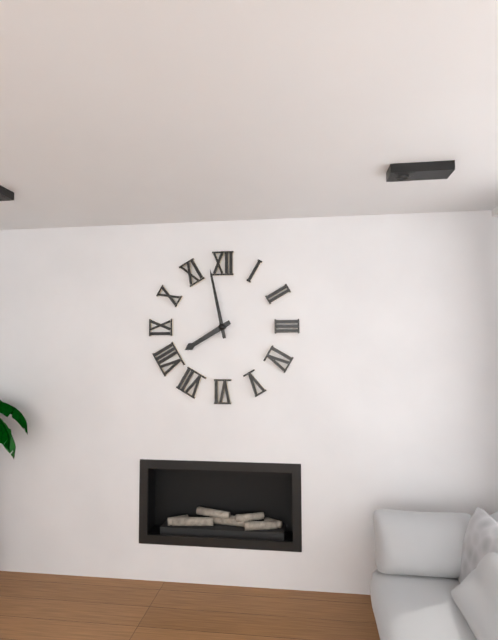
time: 7:58
